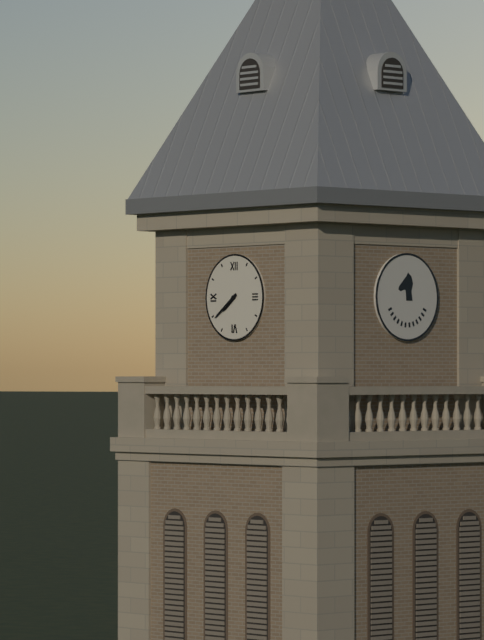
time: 7:39
